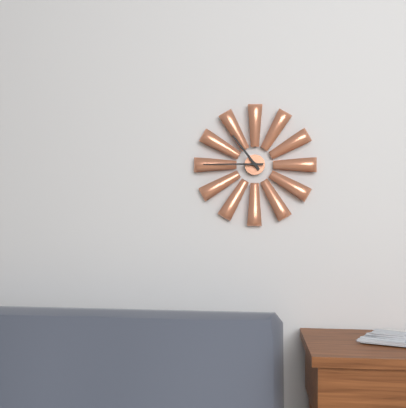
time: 10:45
